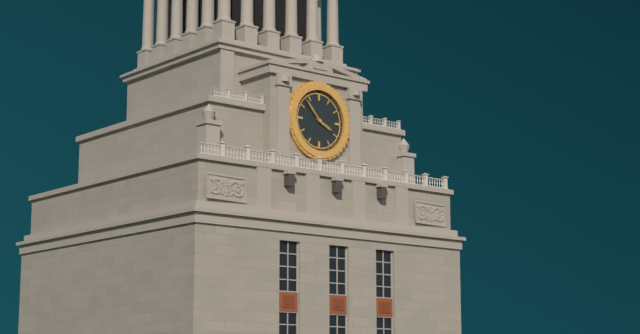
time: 3:53
